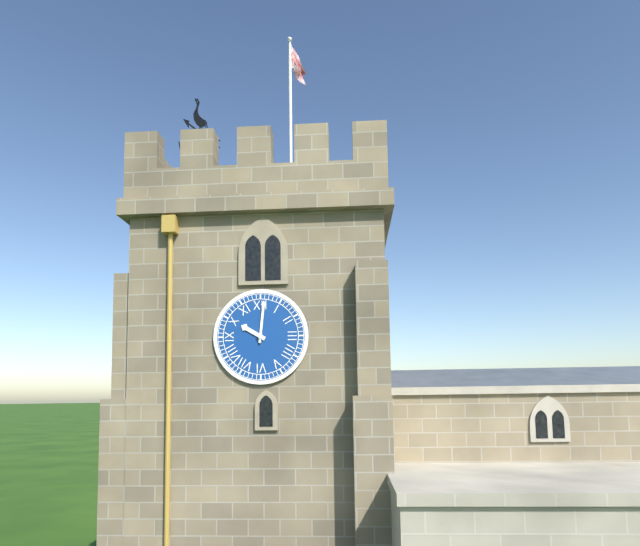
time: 10:01
